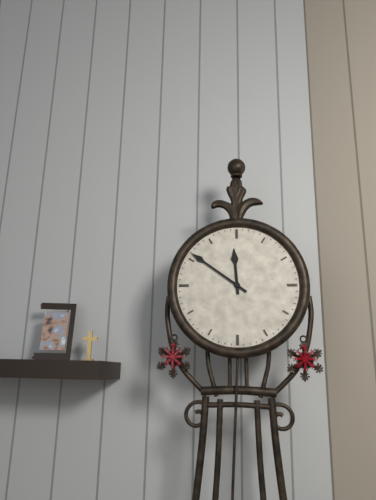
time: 11:51
